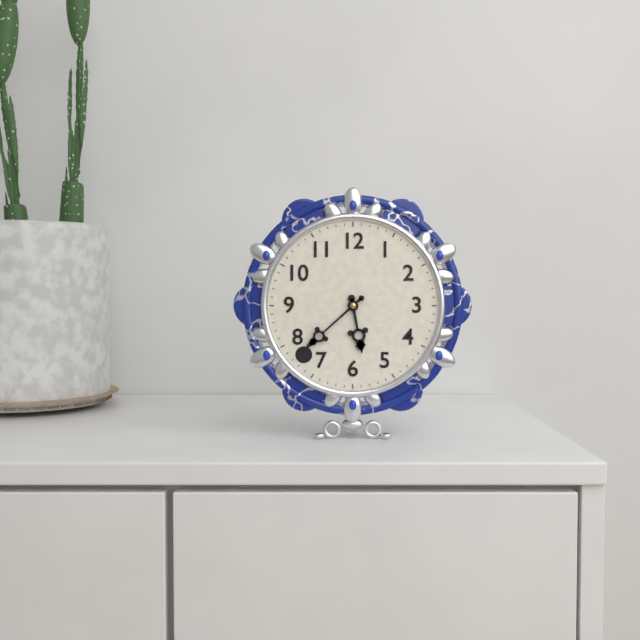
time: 5:38
